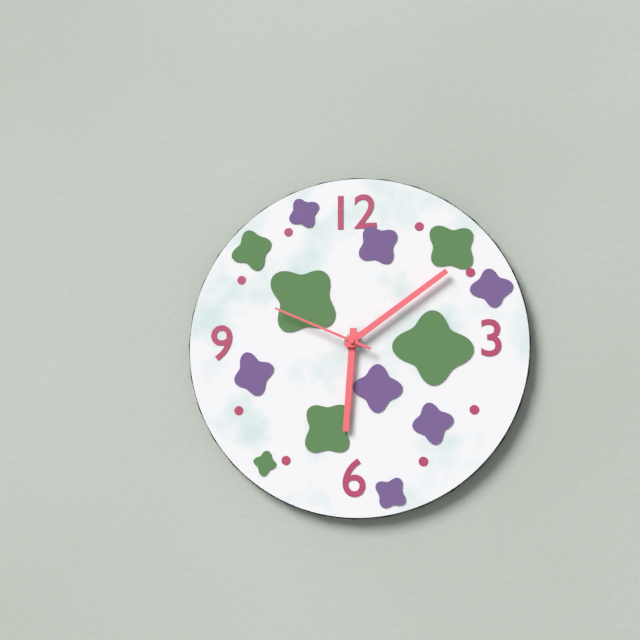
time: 6:09:49
